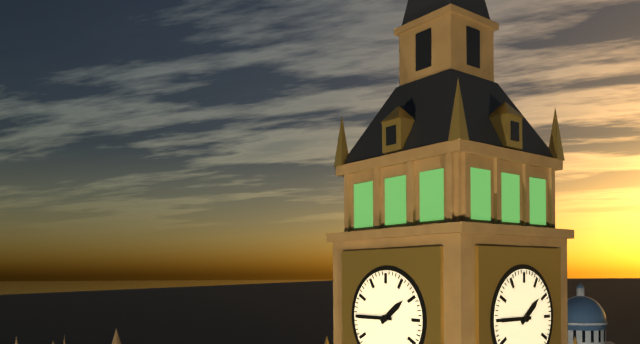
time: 1:45
